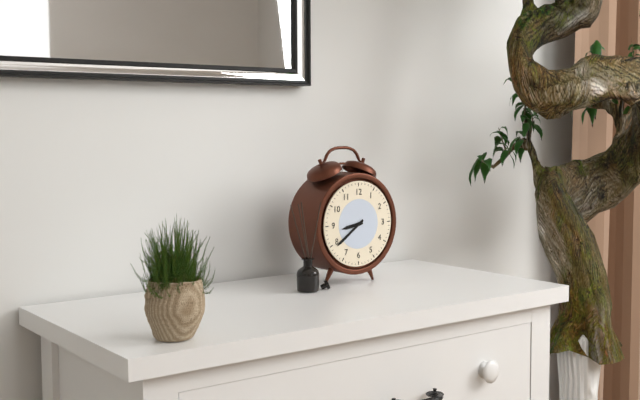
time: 8:39
